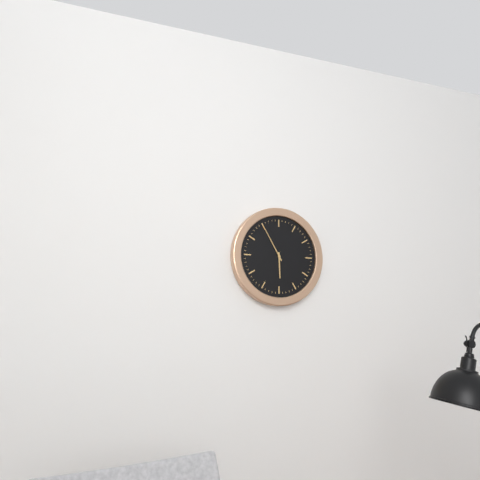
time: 5:55
